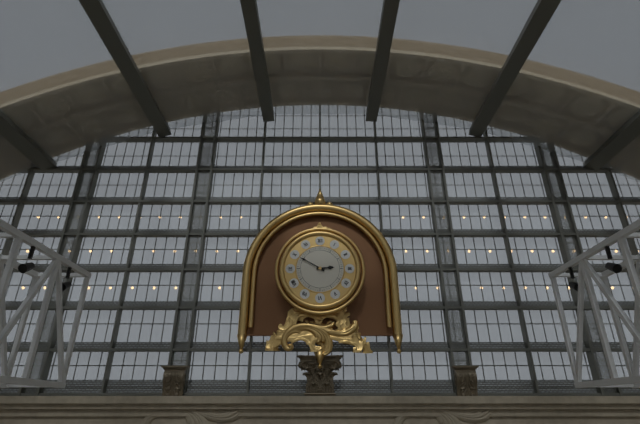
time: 2:50
